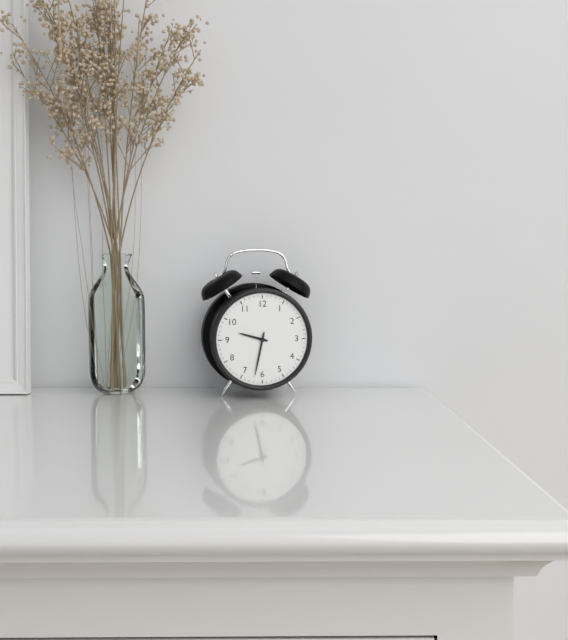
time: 9:32
